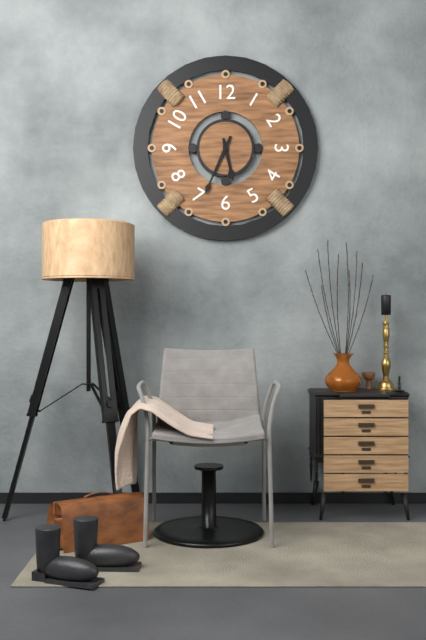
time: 5:34
